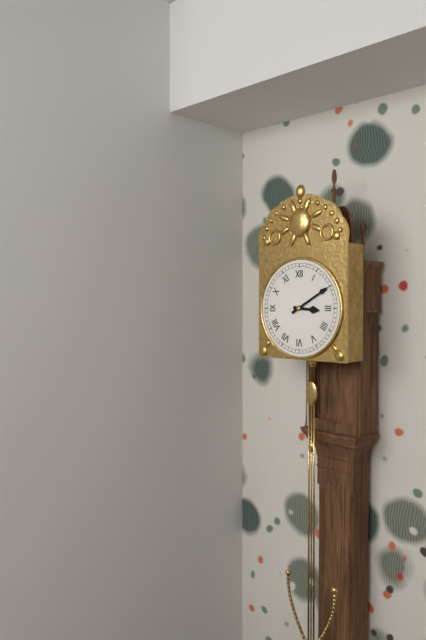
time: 3:10
